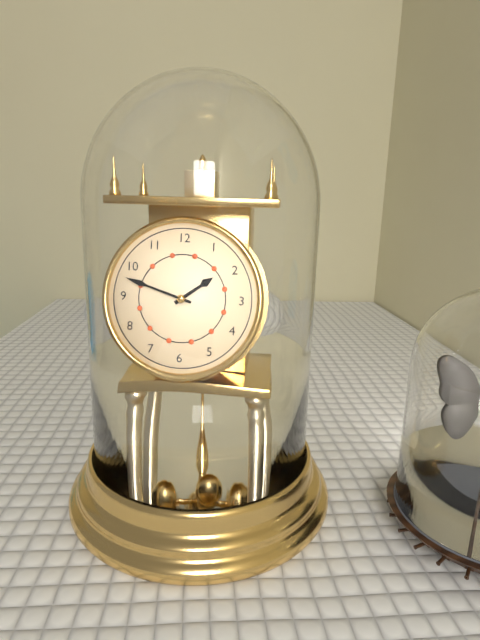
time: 1:48
